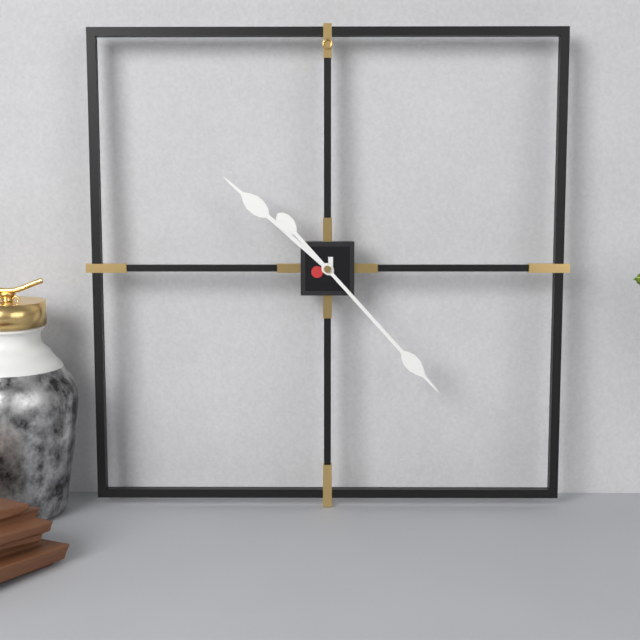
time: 10:23
